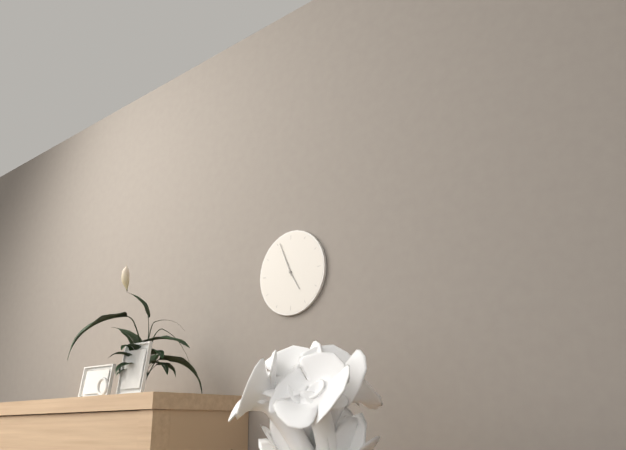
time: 4:56
